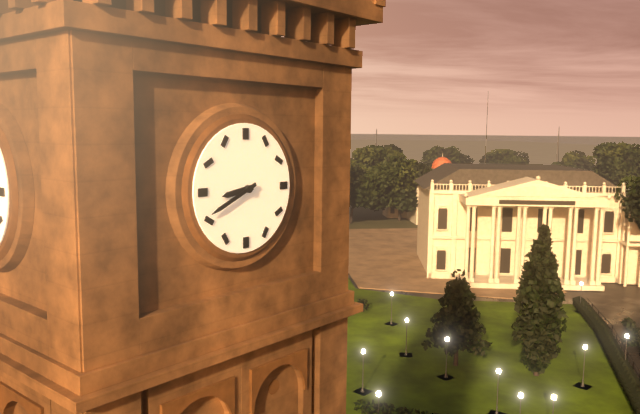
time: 8:41
